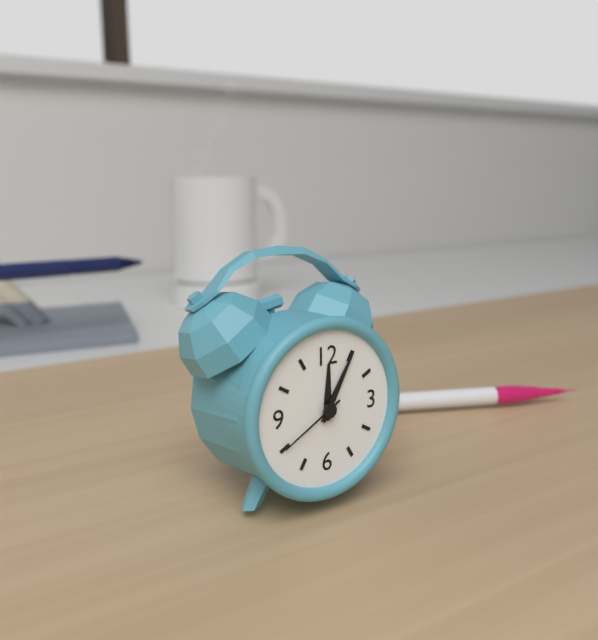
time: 12:05:40
